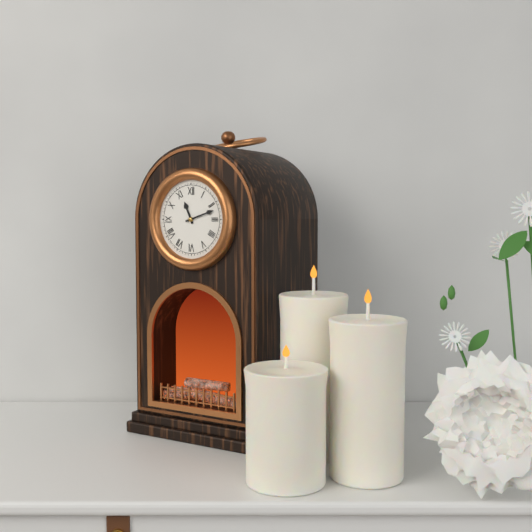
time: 11:12
